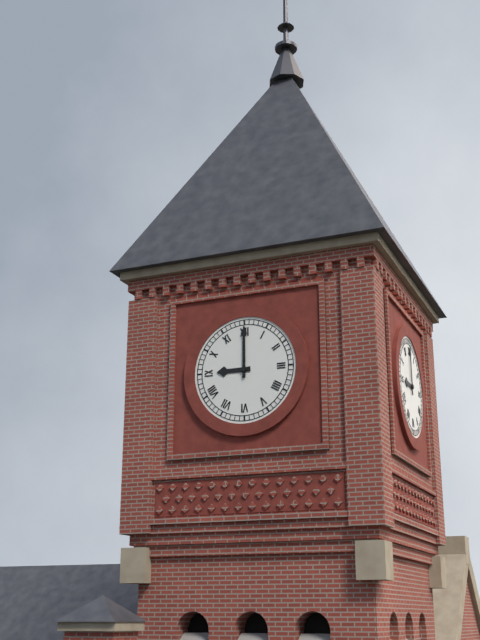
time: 9:00
